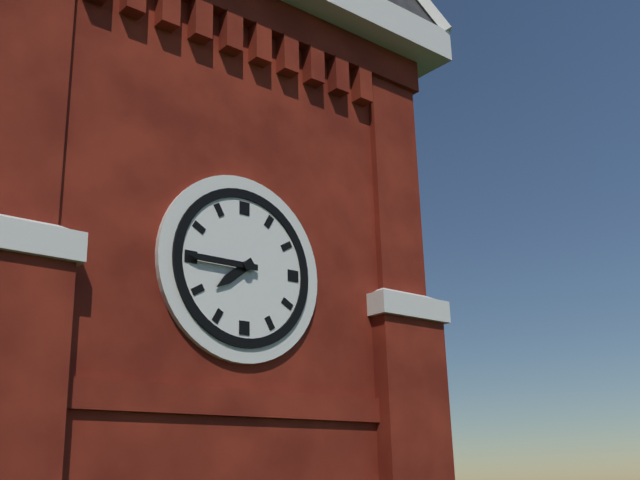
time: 7:45
